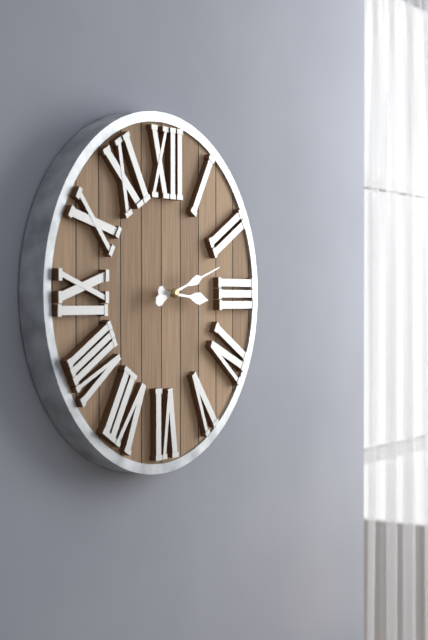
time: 3:12
